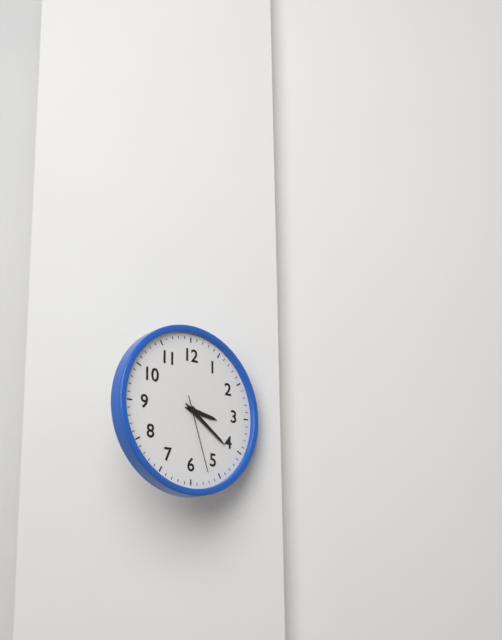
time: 3:21:27
